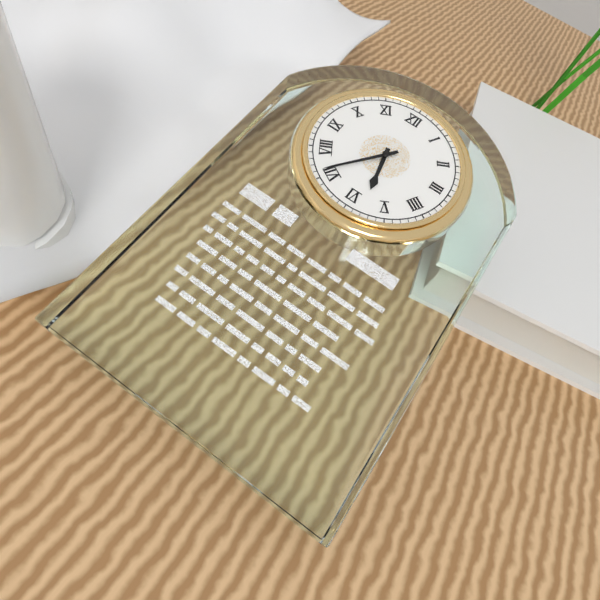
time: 5:36
